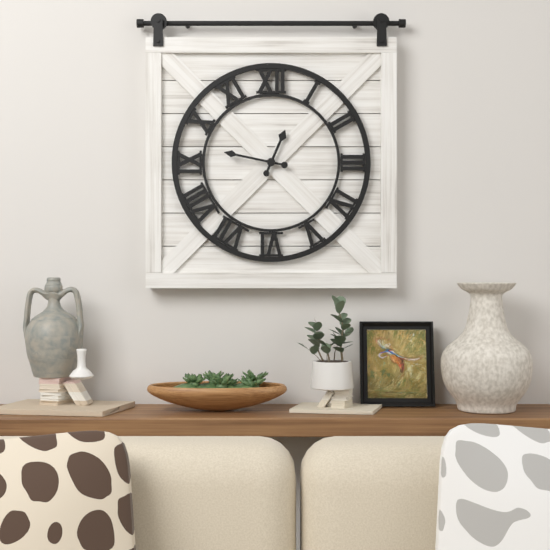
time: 12:47
